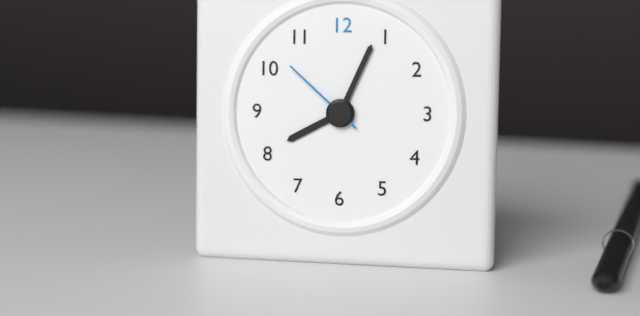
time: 8:04:52
